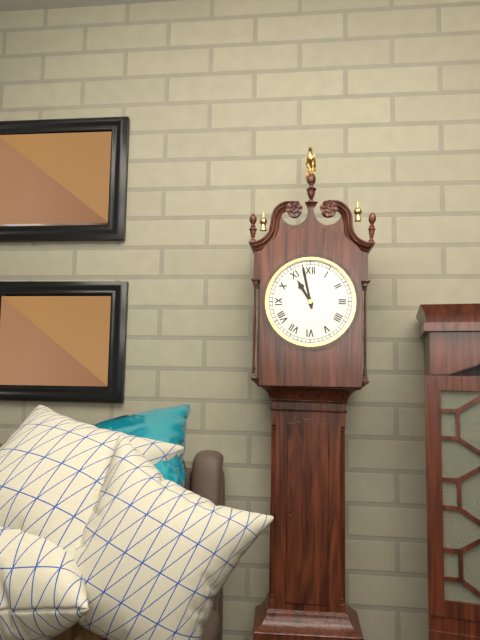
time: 10:58
